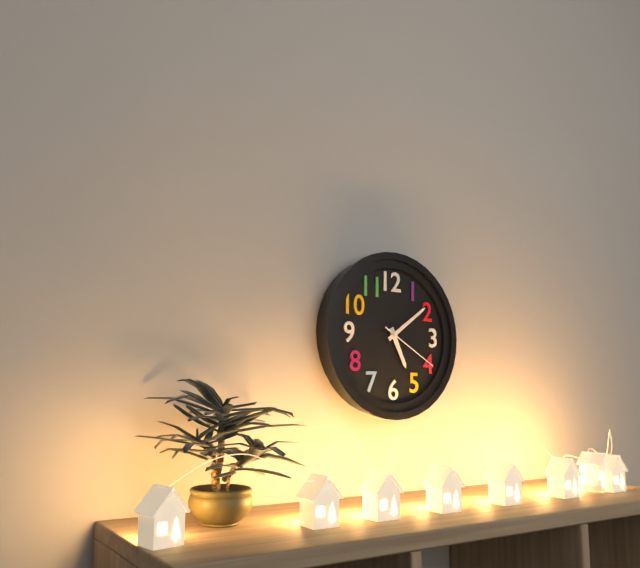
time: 5:09:20
